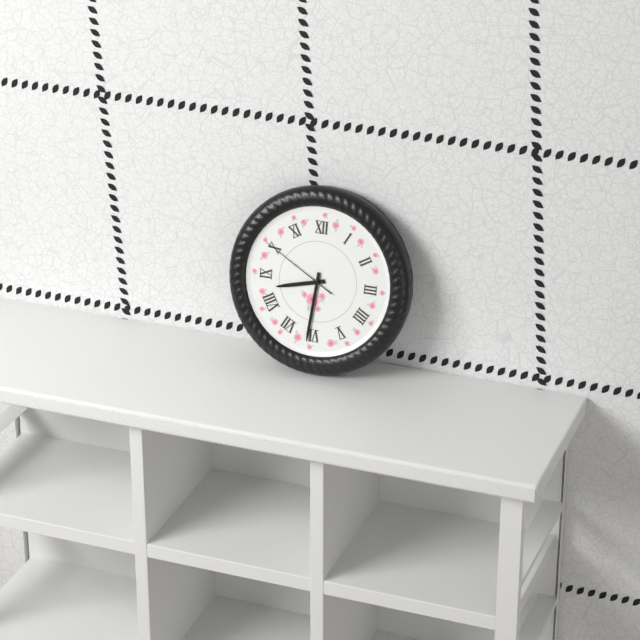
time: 8:31:50
